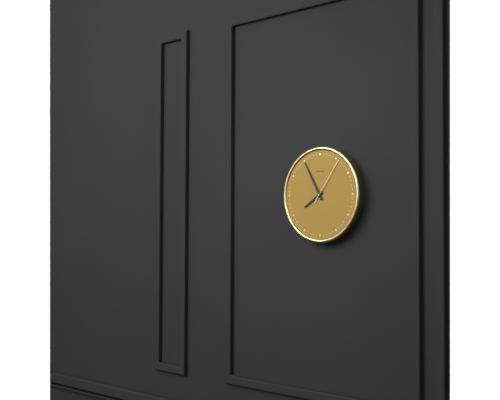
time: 7:55
